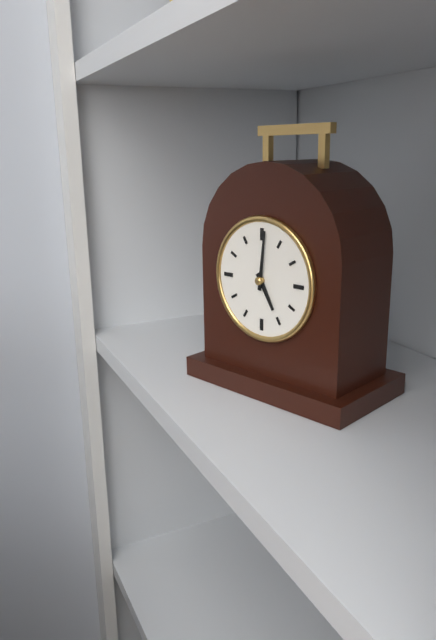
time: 5:01
